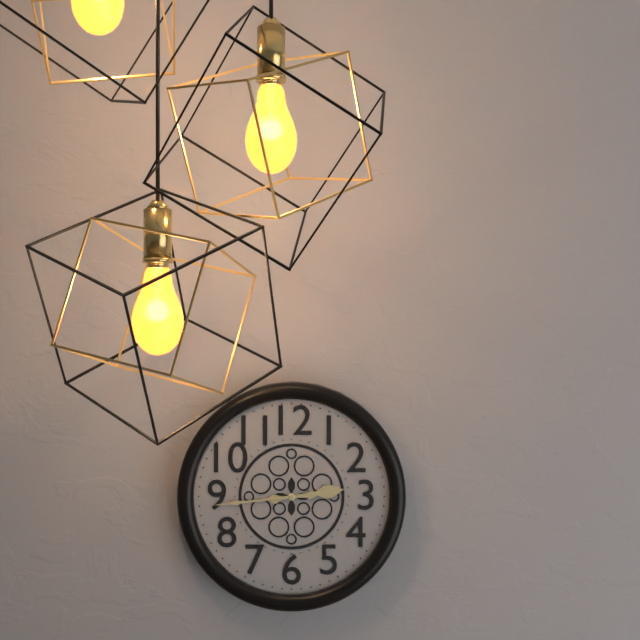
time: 2:44
